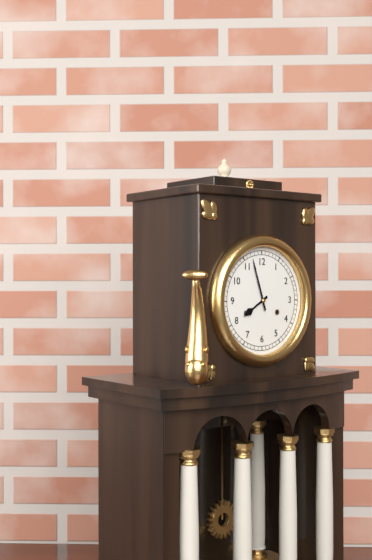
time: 7:57
